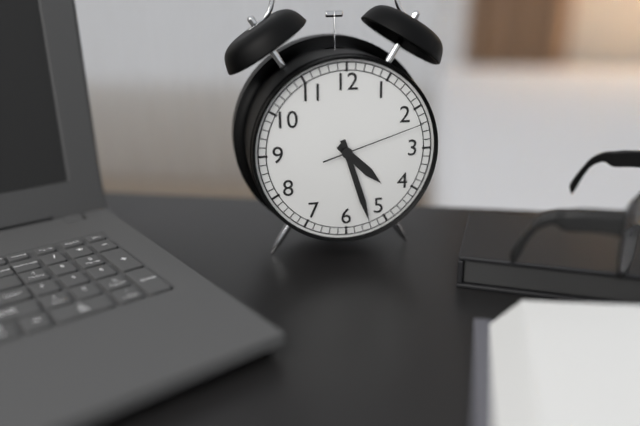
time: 4:27:12
